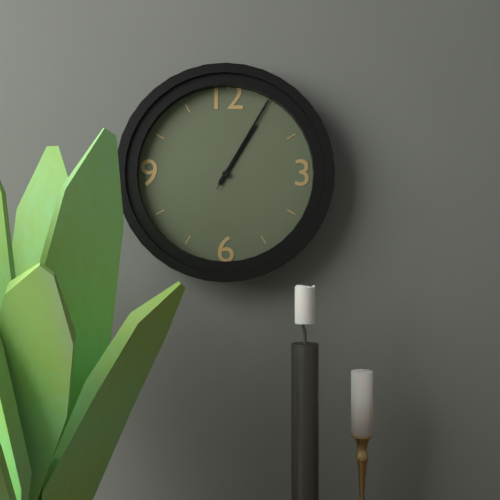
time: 1:05:05
